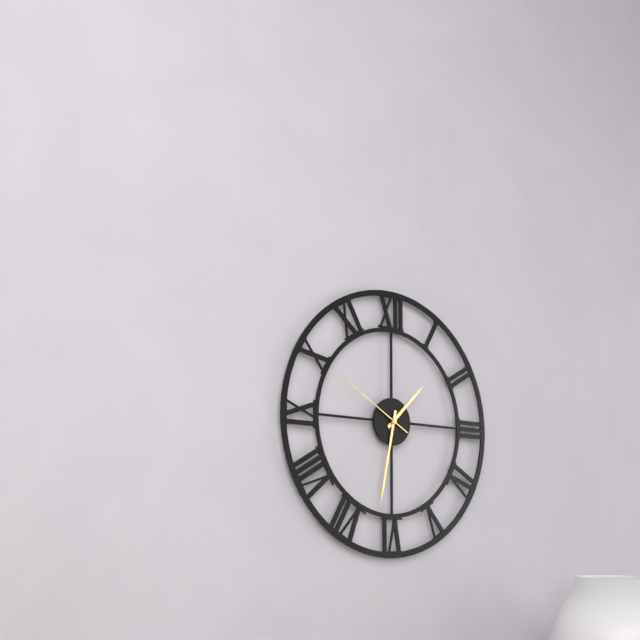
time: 1:32:50
